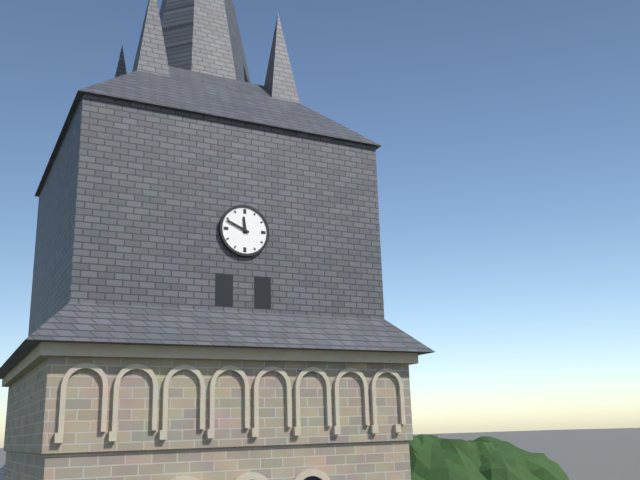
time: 11:49
